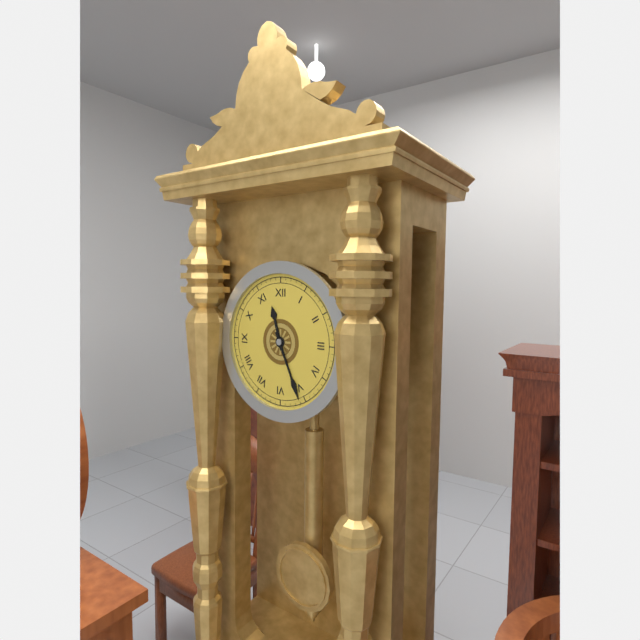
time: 11:26
